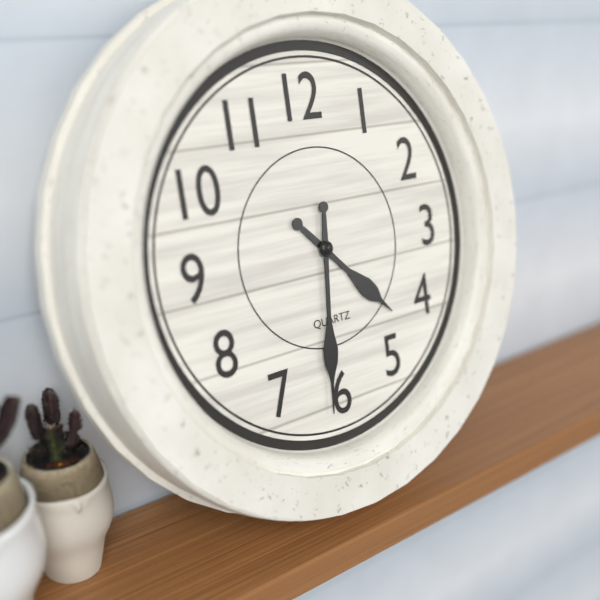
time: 4:31
